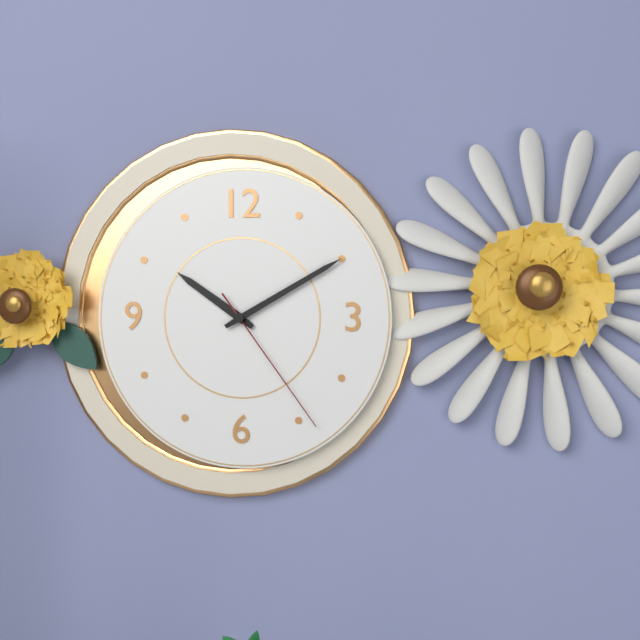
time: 10:10:24
